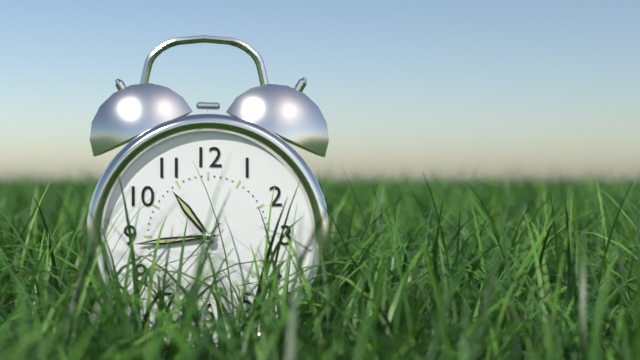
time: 10:44:37
